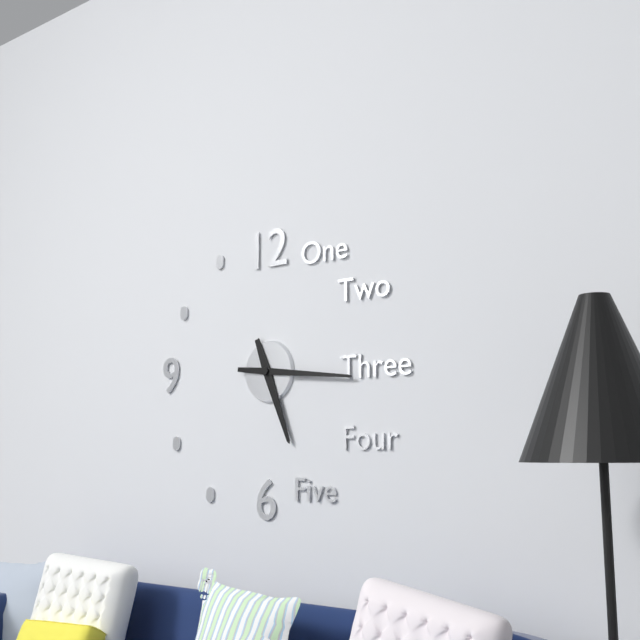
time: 5:16
